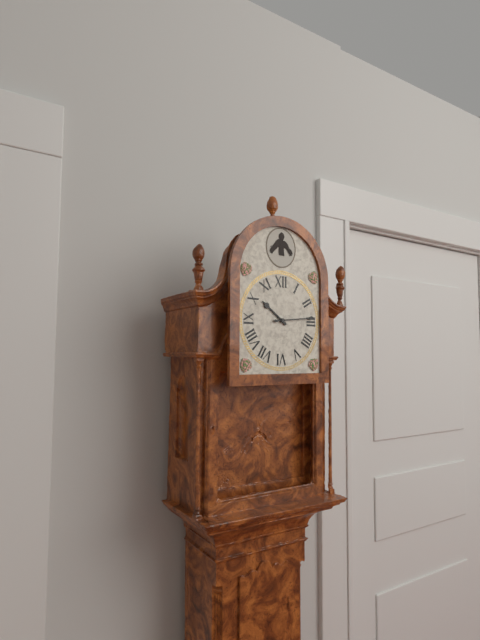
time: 10:14
